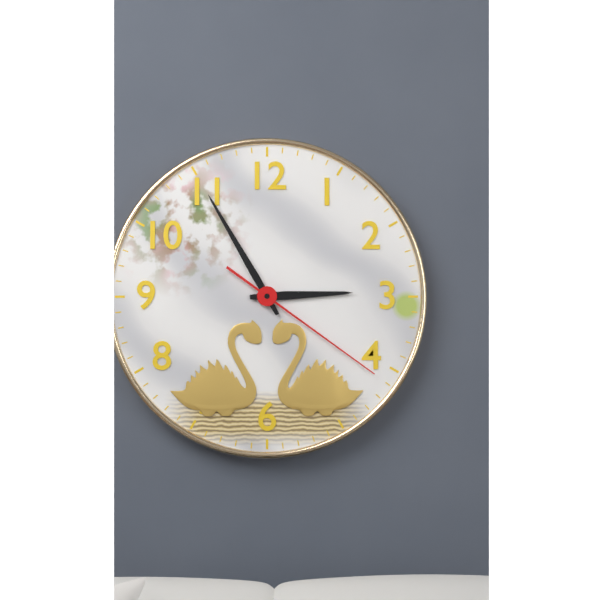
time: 2:55:21
